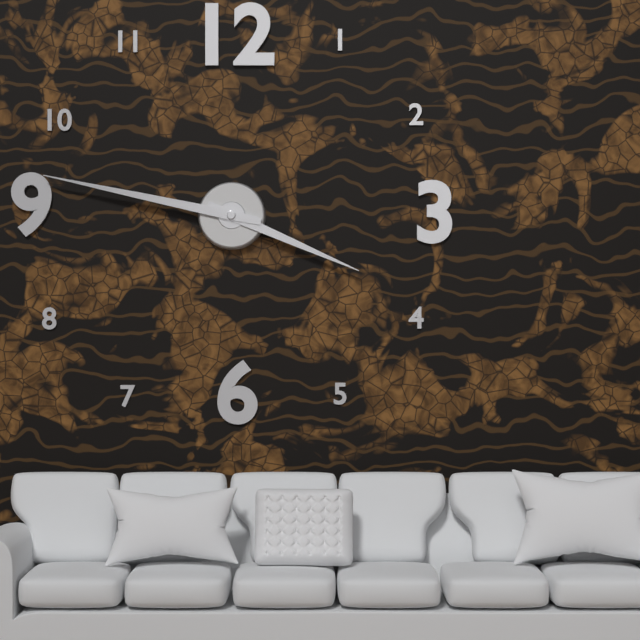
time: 3:47
